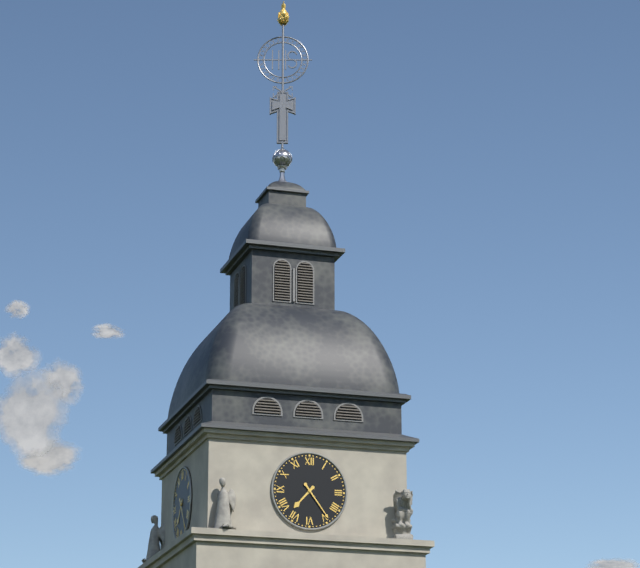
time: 7:24
